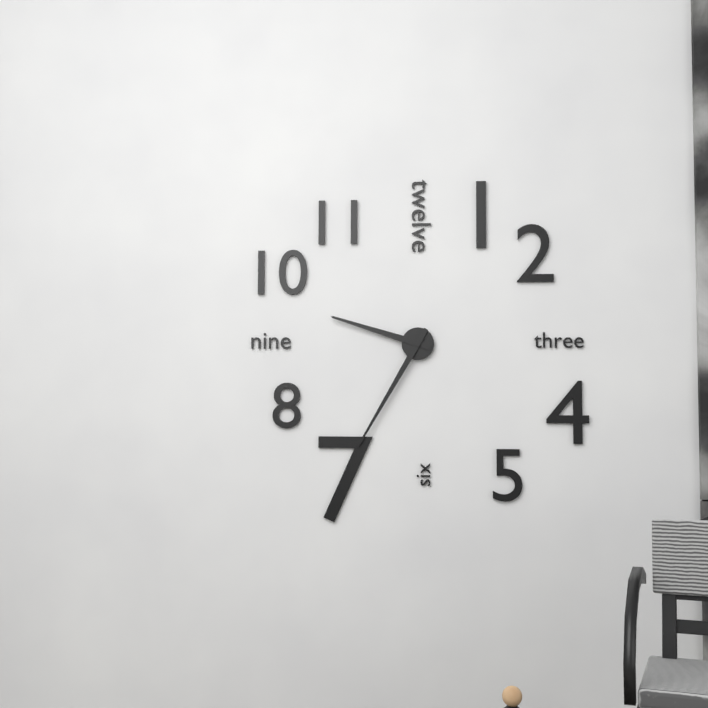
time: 9:35
